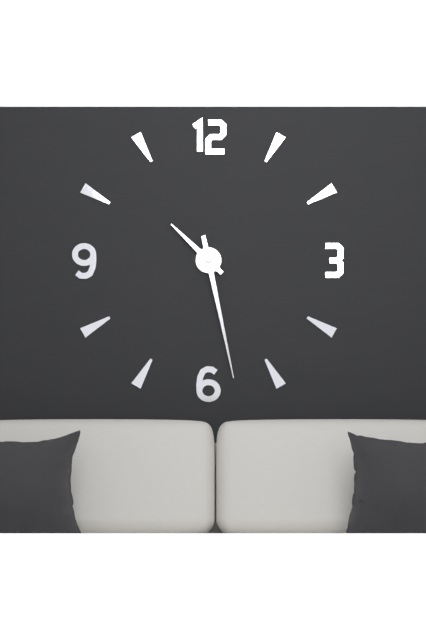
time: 10:28
